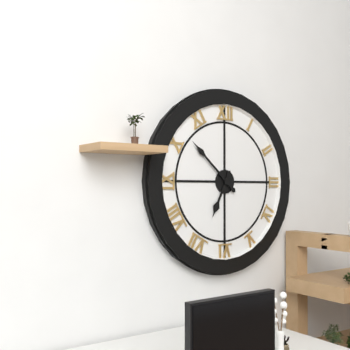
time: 6:52
